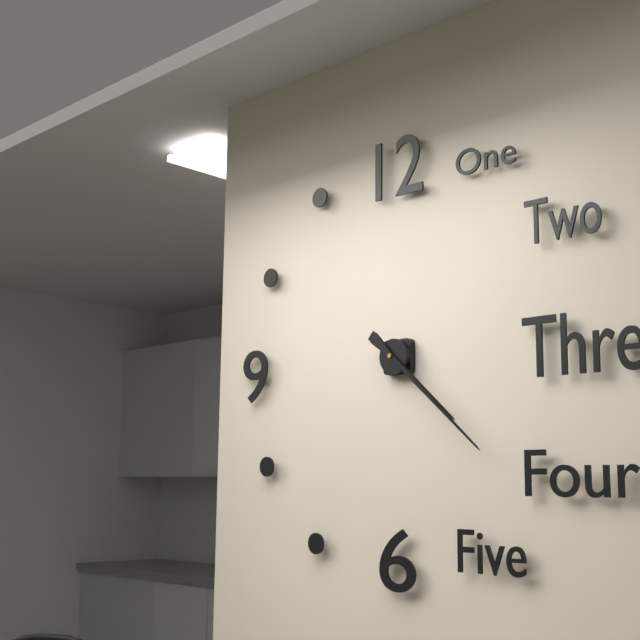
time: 4:22
